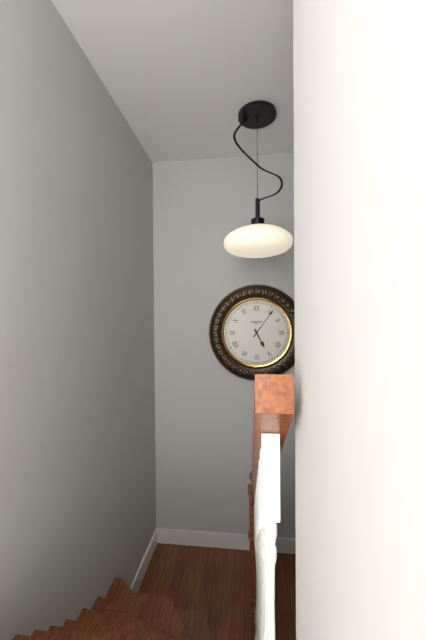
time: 5:06
